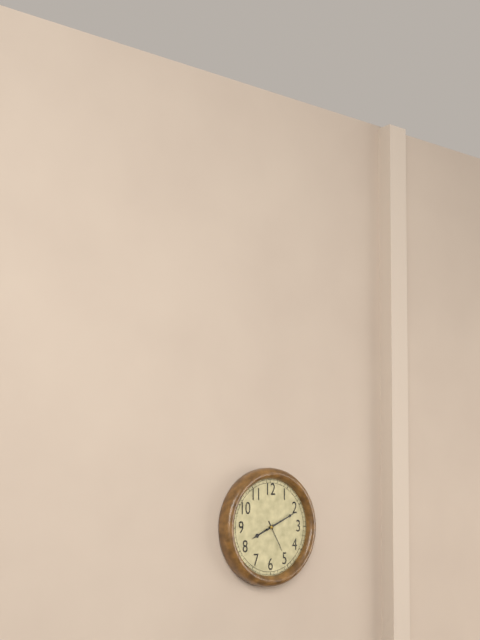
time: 8:11
